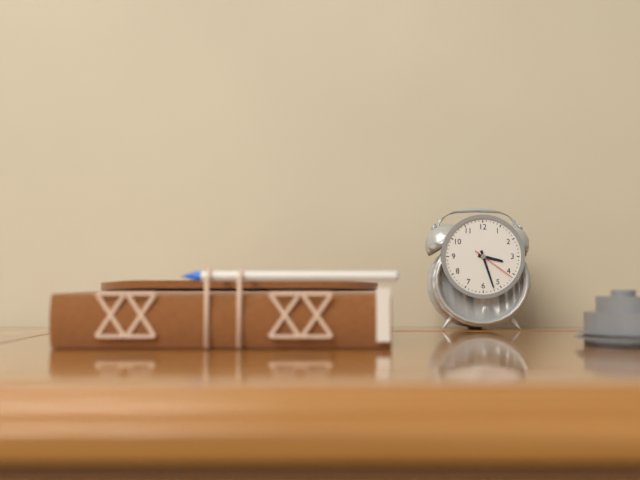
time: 3:27
